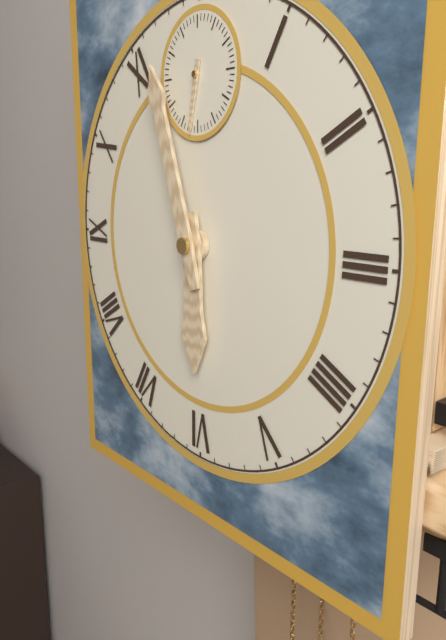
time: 5:57:32
